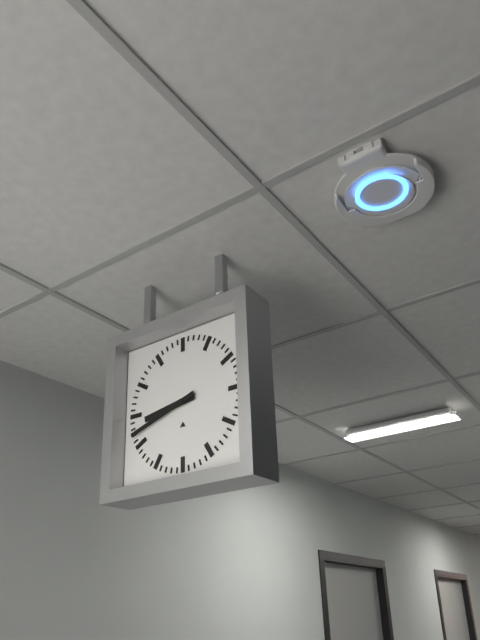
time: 8:42
